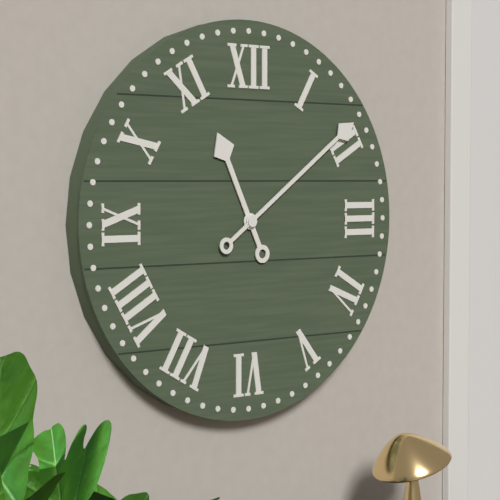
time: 11:09
